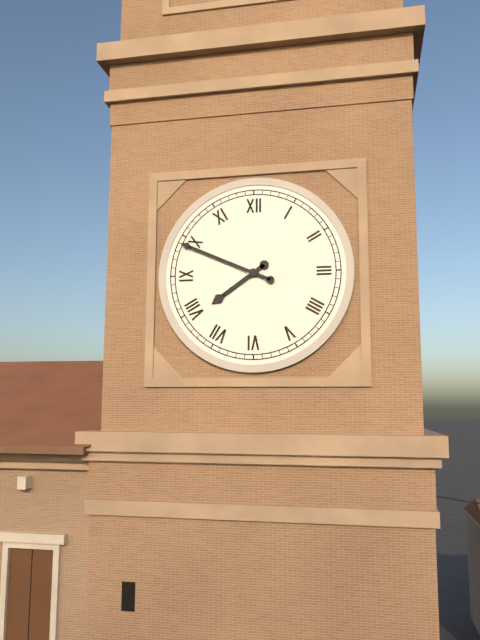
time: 7:49
